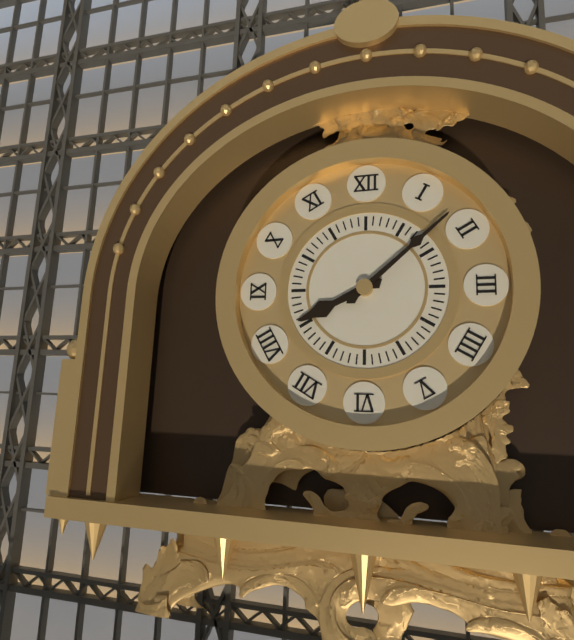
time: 8:08
